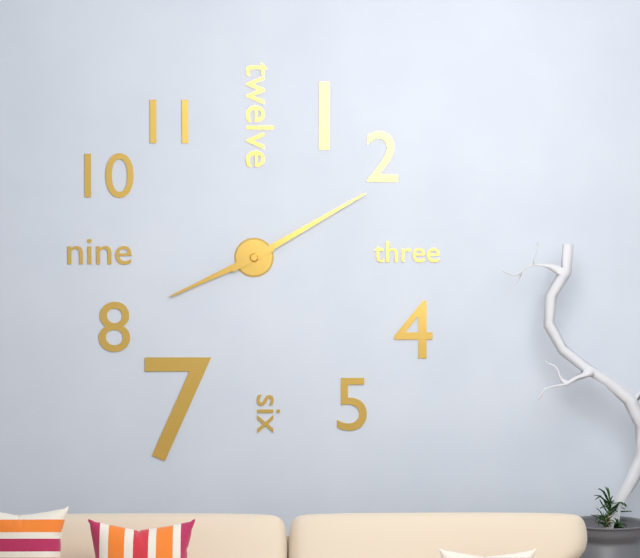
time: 8:10
